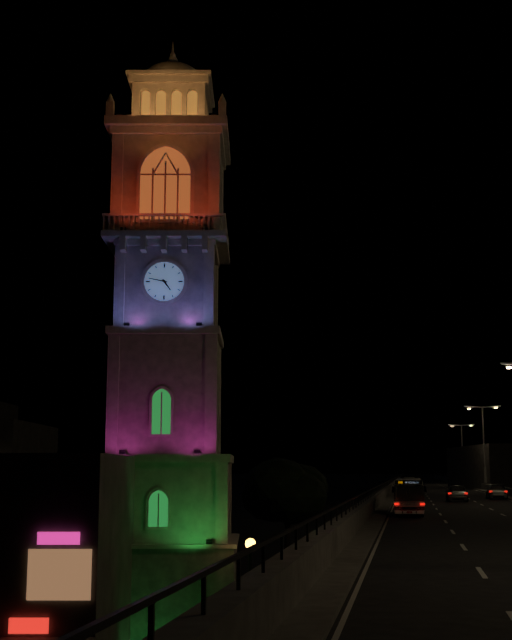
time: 4:47
